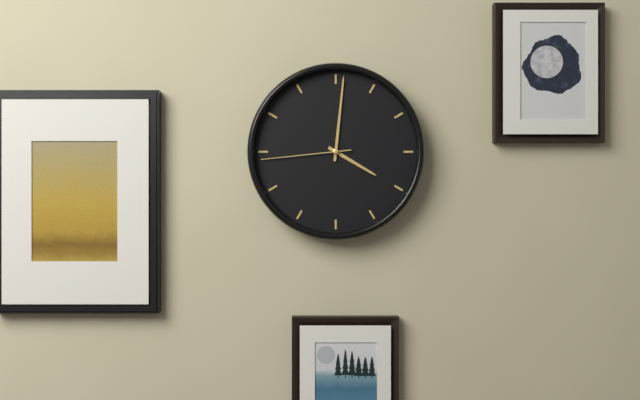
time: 4:01:44
